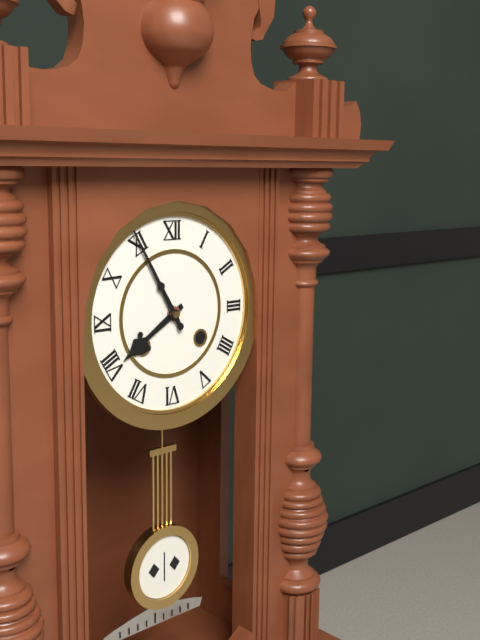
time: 7:55
